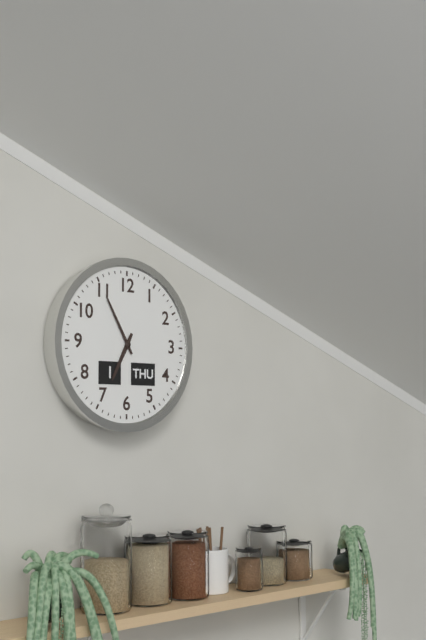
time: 6:55
